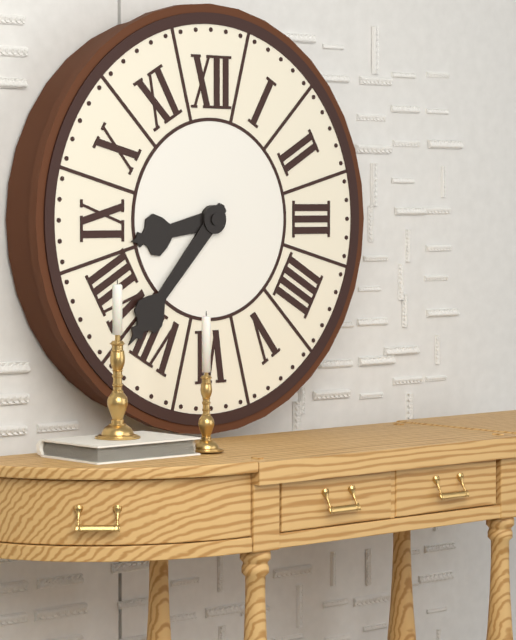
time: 8:37
